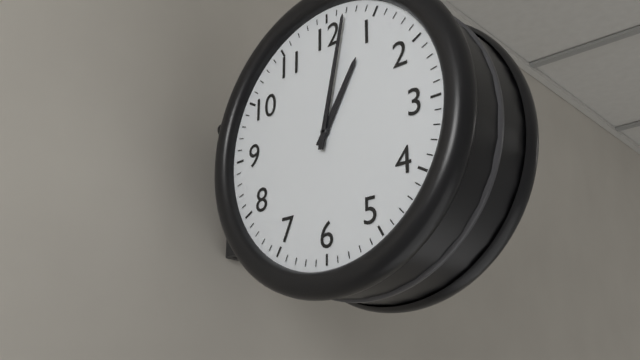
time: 1:02
